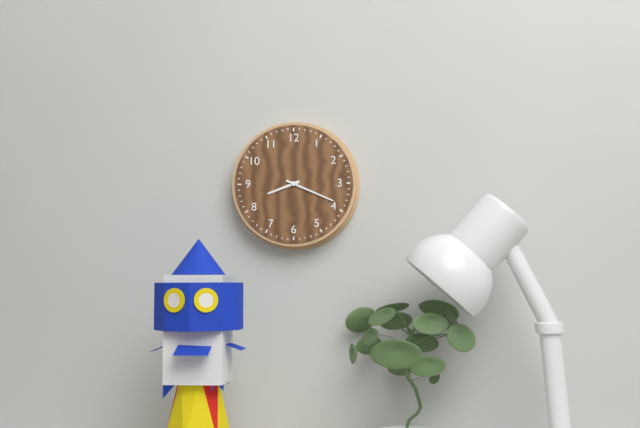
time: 8:19
